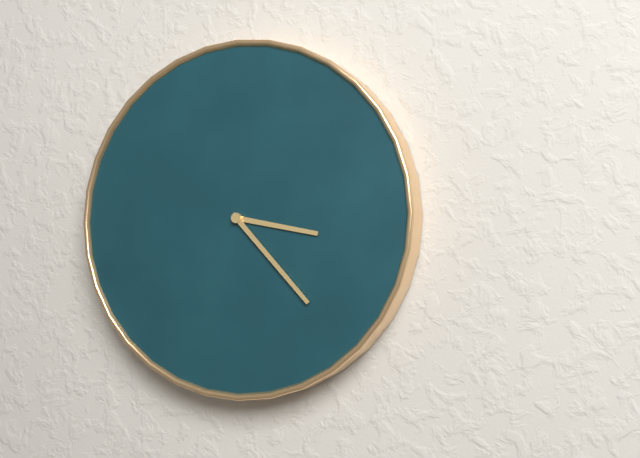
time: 3:23
